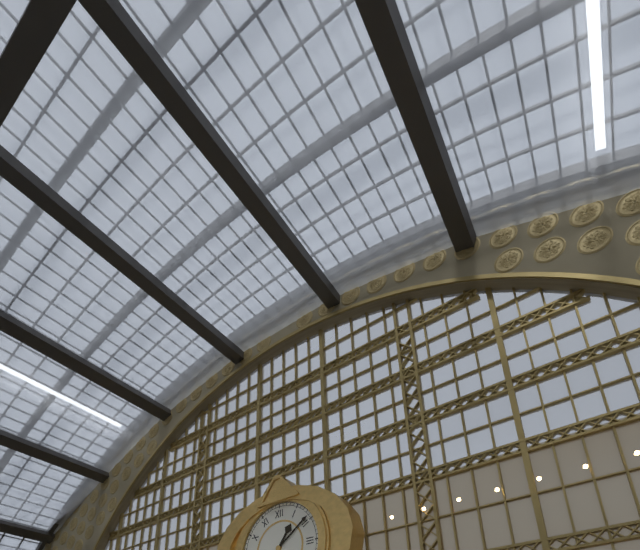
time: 1:09
